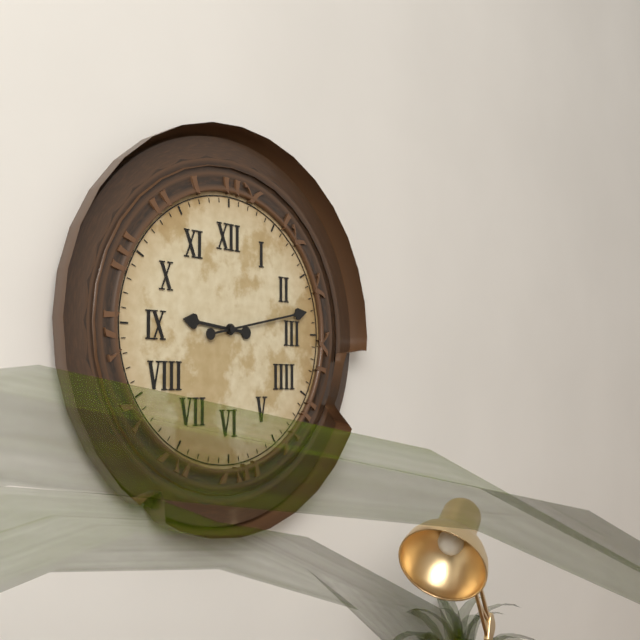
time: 9:13
